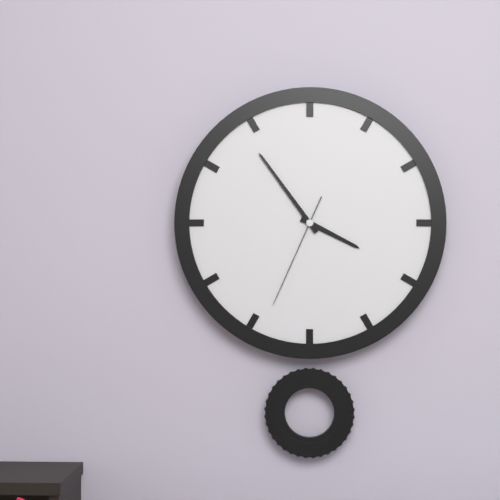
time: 3:54:34
